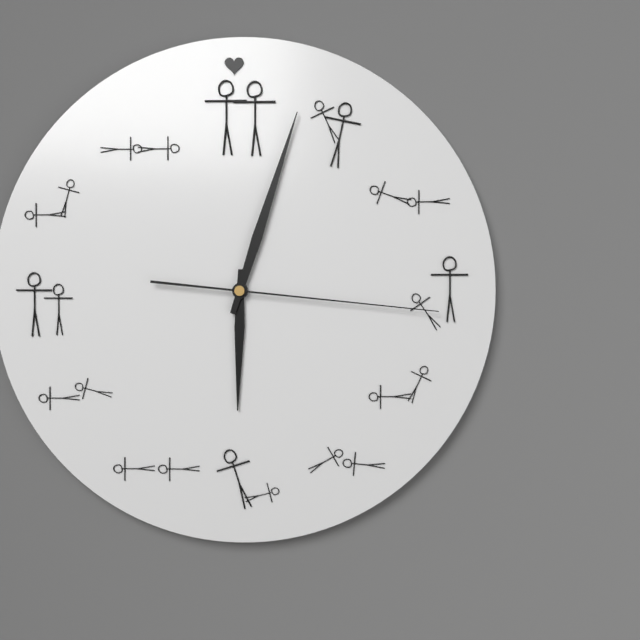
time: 6:03:16
